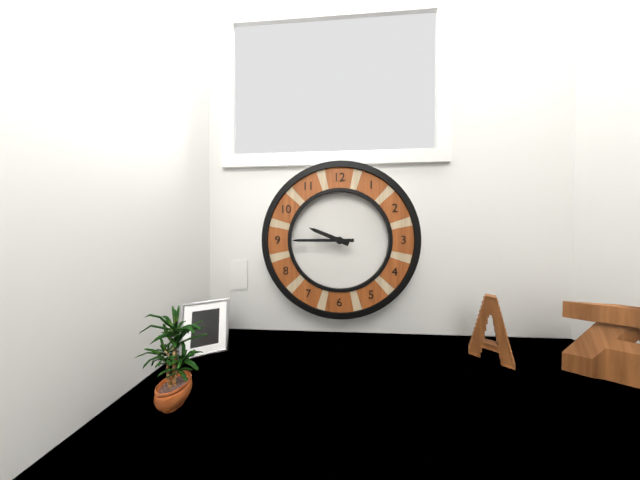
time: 9:45
